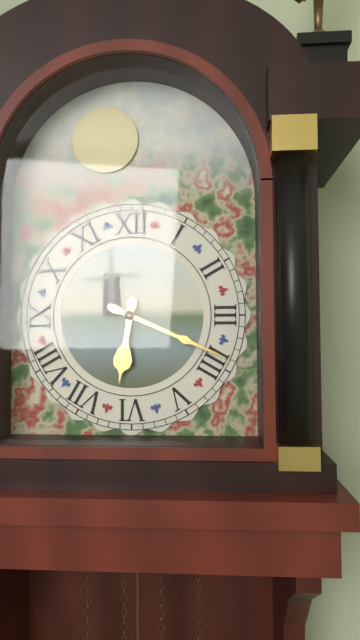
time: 6:19
